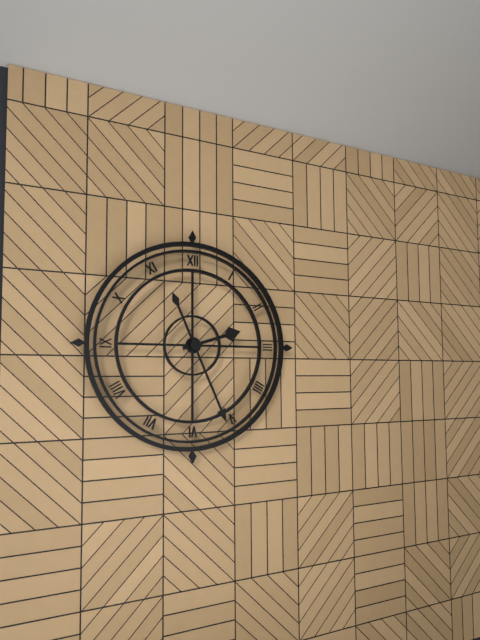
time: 2:26
